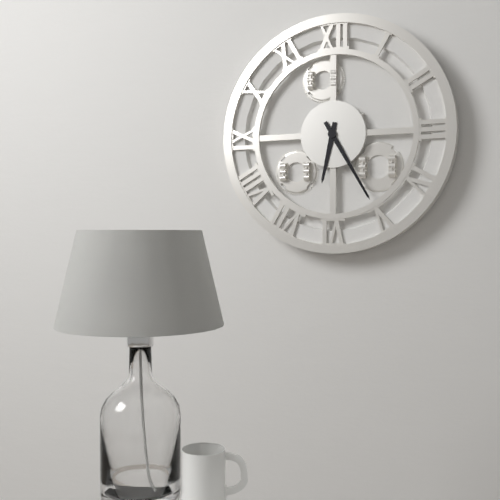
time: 6:25
